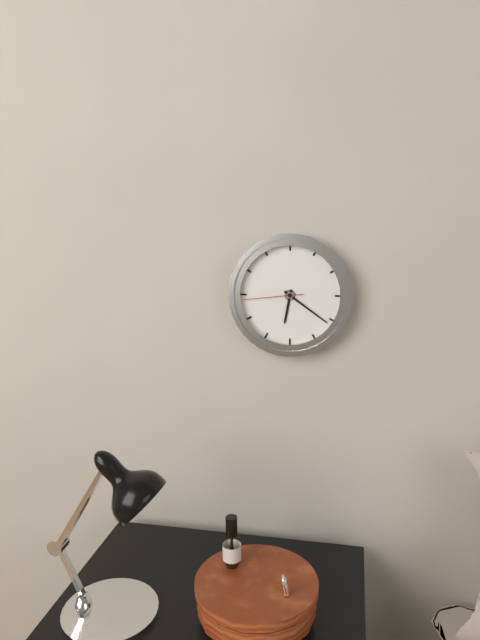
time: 6:21:44
